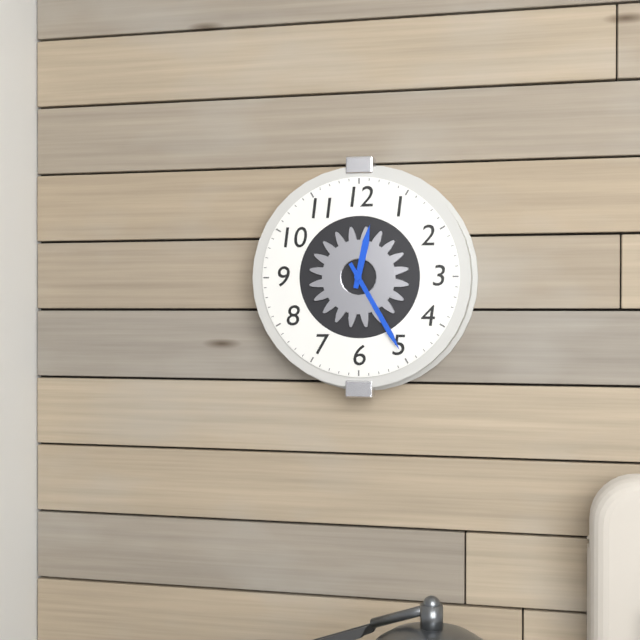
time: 12:25
